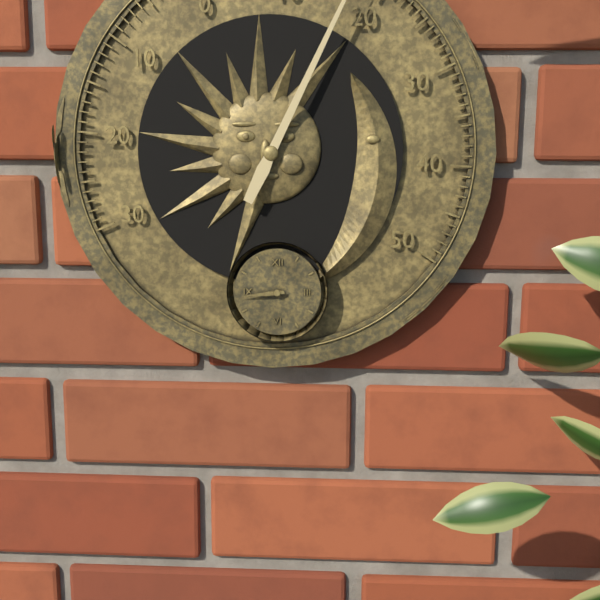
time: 8:44
